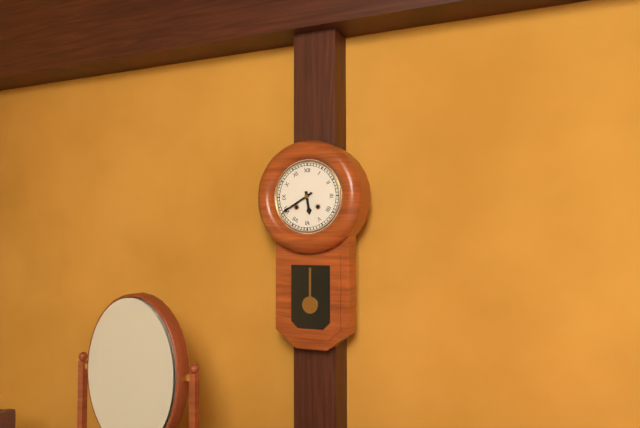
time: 5:40
